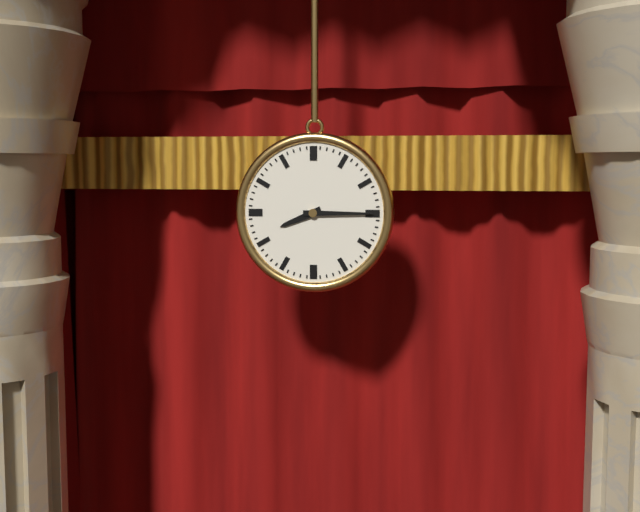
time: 8:15
